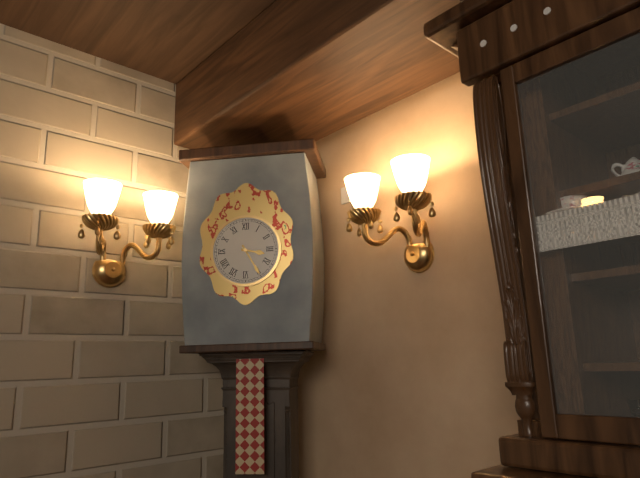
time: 3:25
